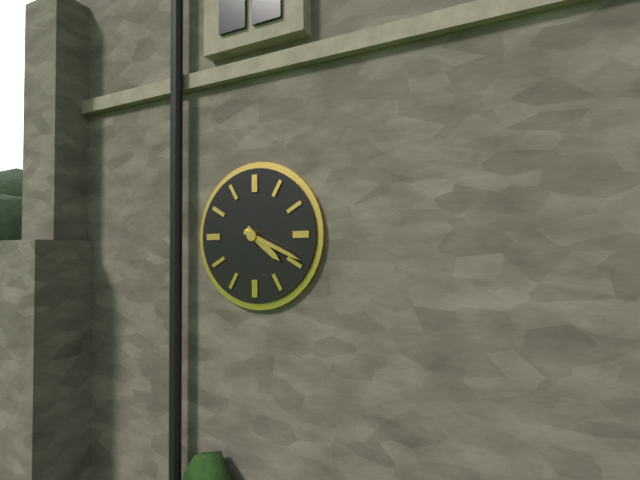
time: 4:19
